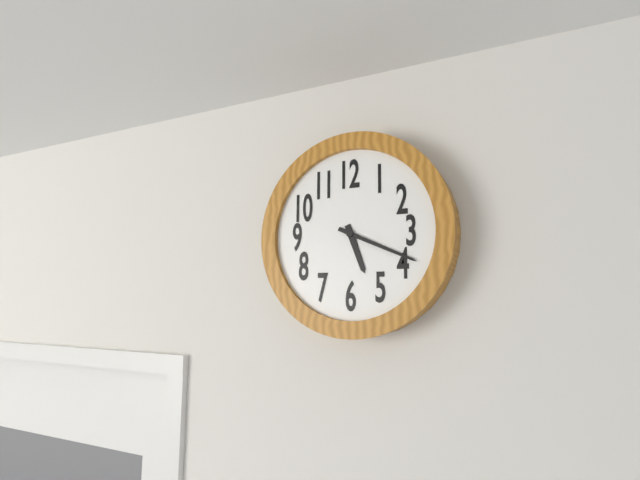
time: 5:19
